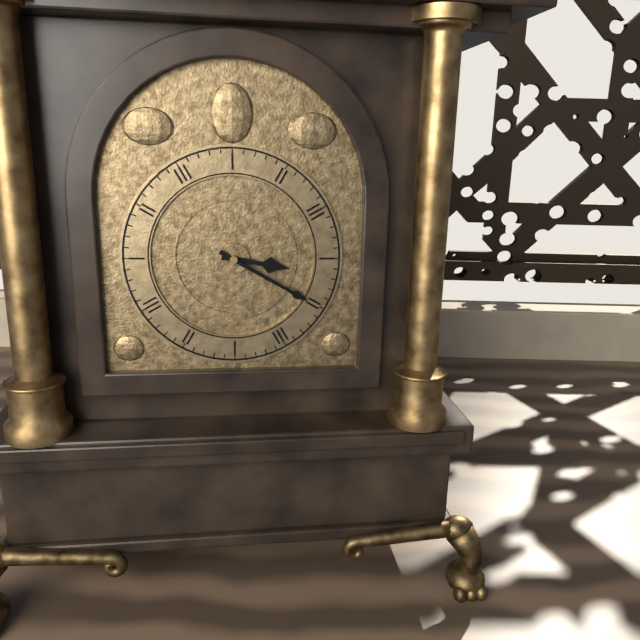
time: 3:20
